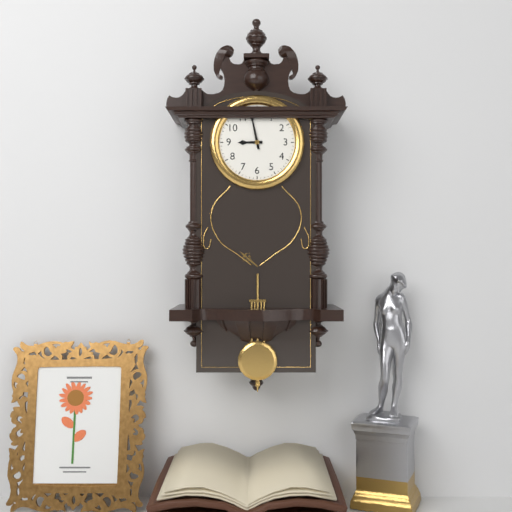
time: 8:58
